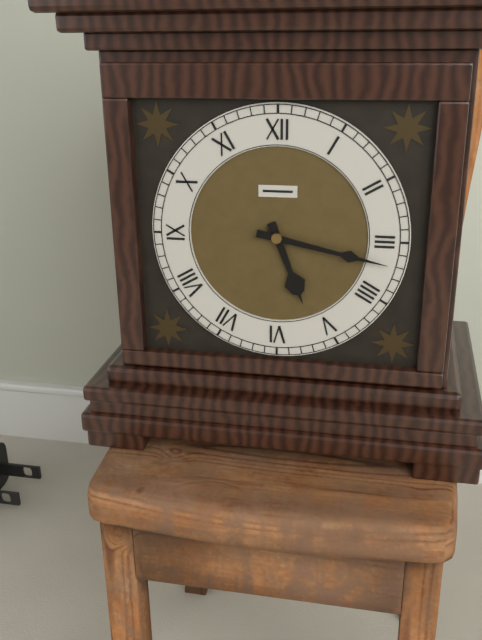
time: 5:17
